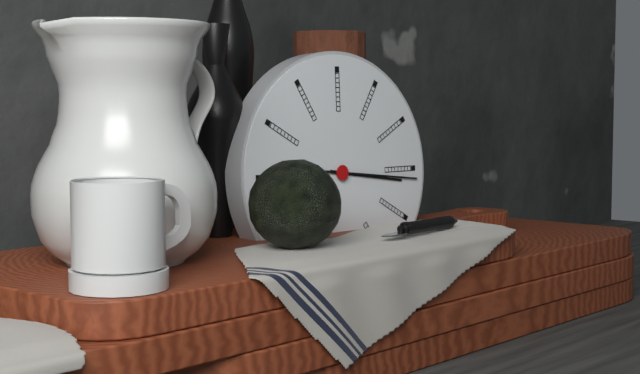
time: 3:16
